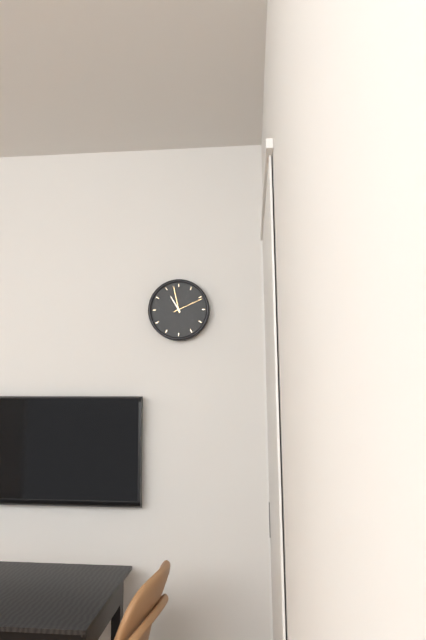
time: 10:58
